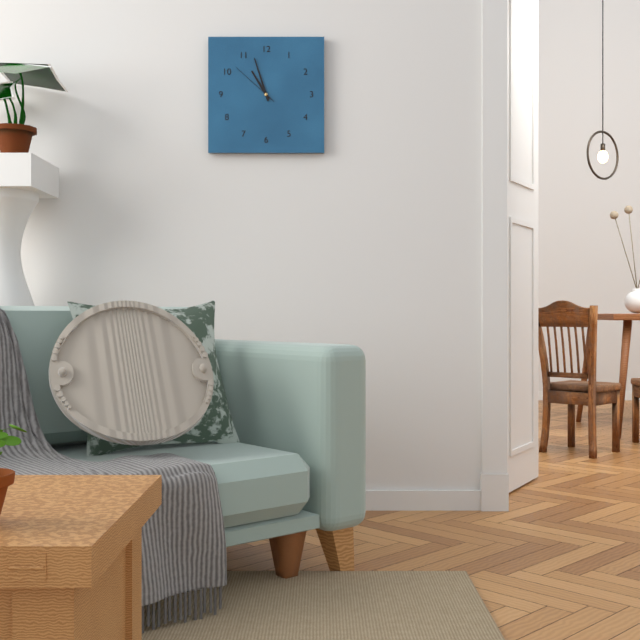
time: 10:57:52
